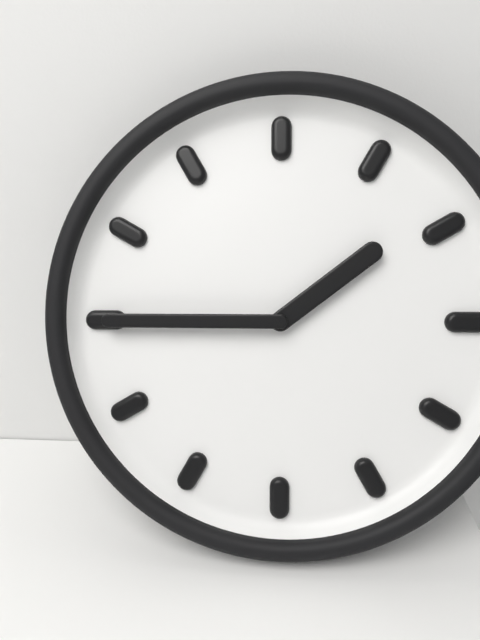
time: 1:45
